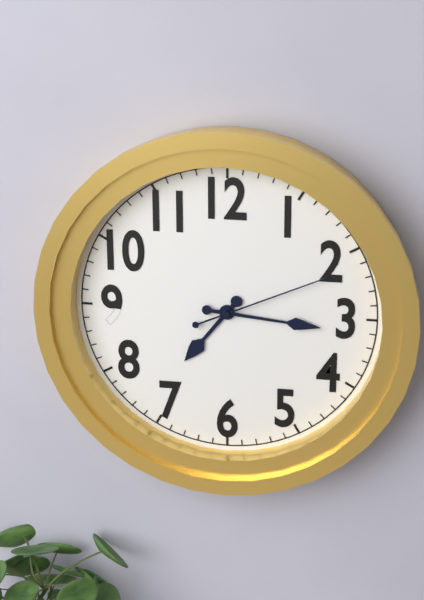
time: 7:16:11
